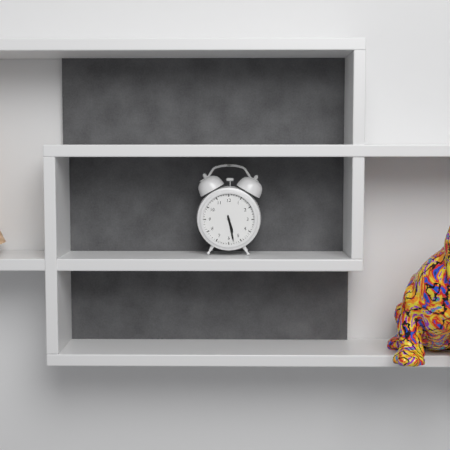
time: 5:28
